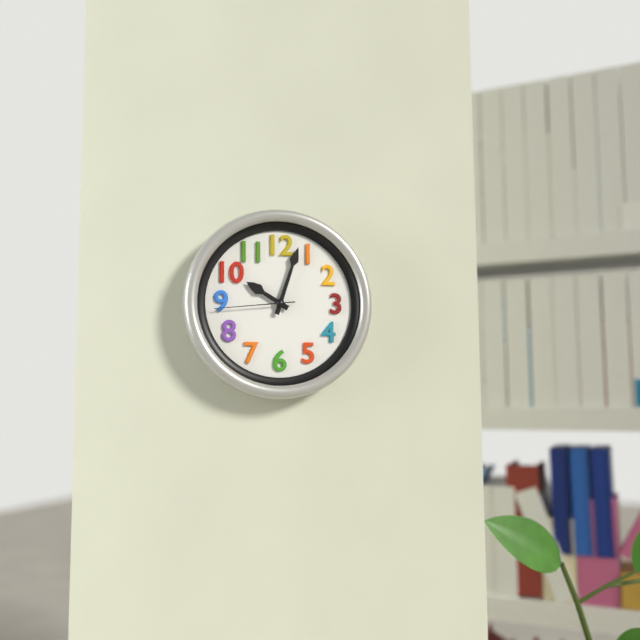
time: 10:03:44
